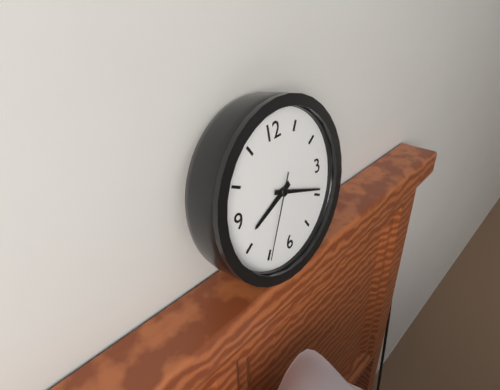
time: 8:19:35
